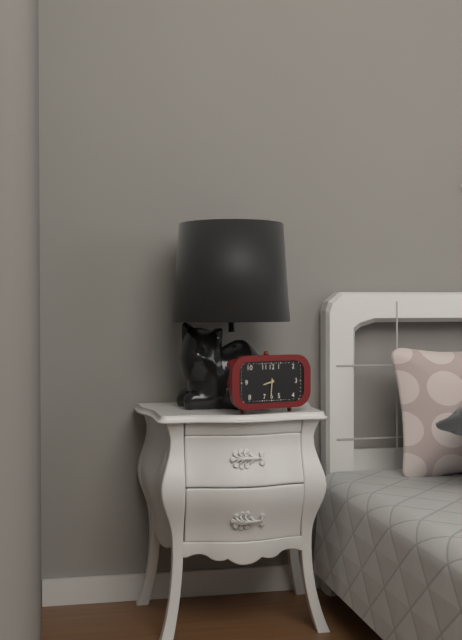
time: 8:31
